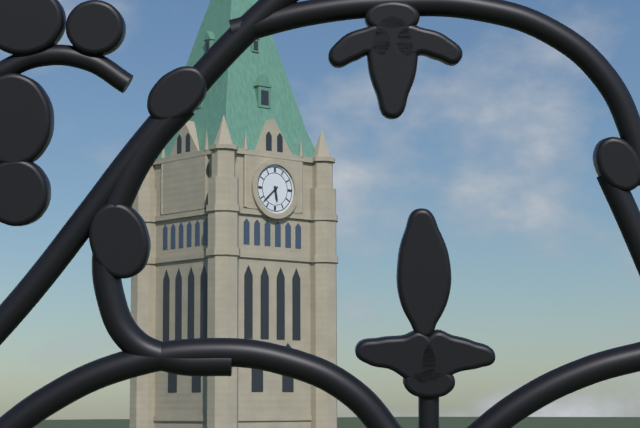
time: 5:38
